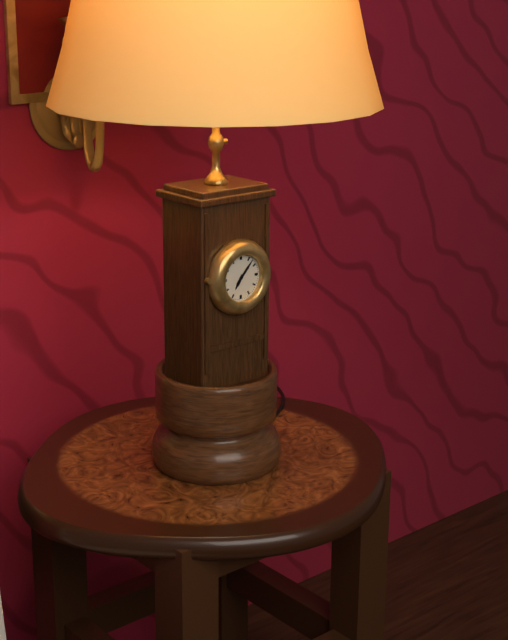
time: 7:07
